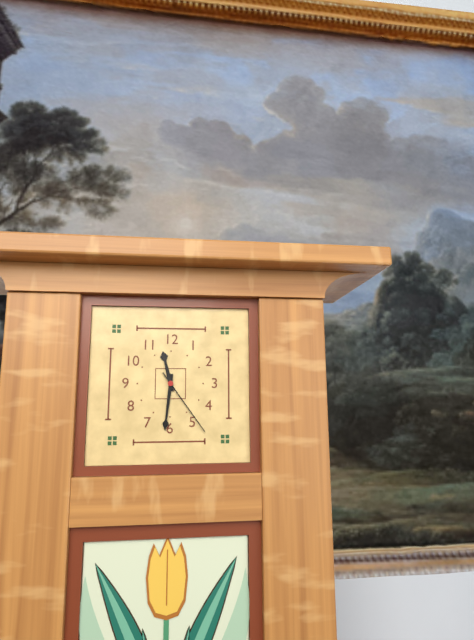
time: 11:31:24
